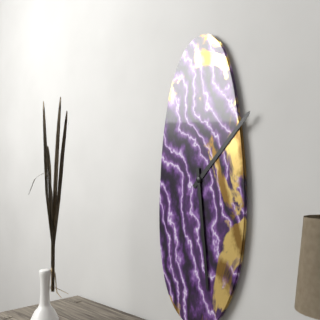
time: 1:29
